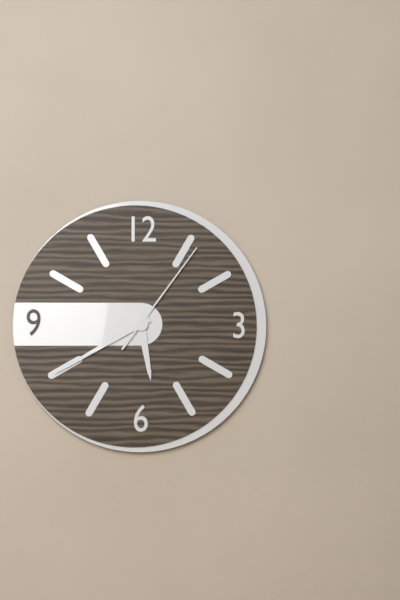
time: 5:40:06
